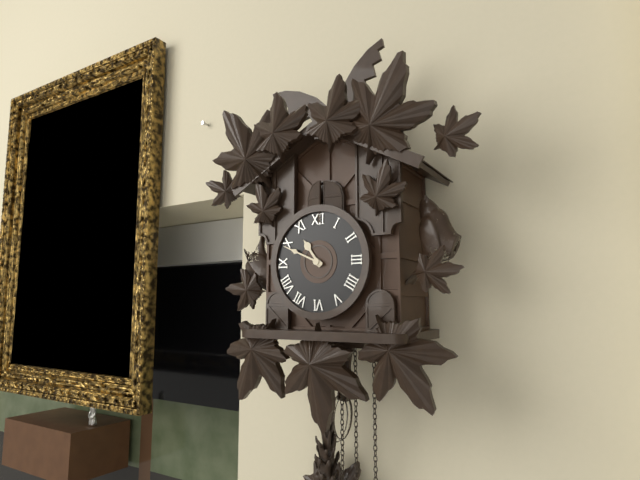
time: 10:49
